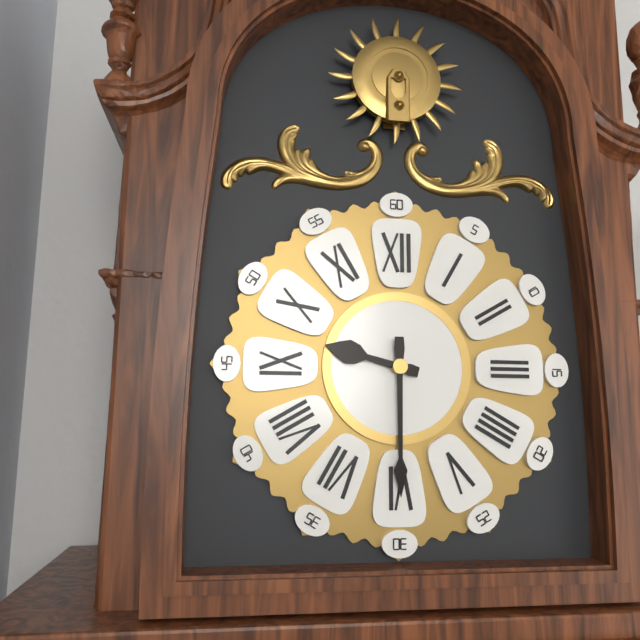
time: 9:30
